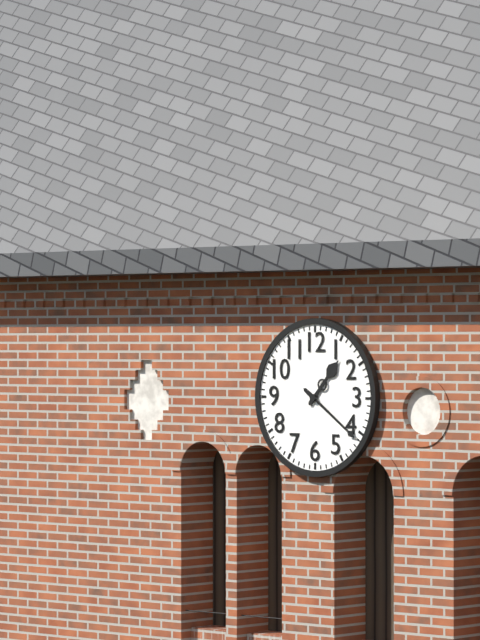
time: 1:21
